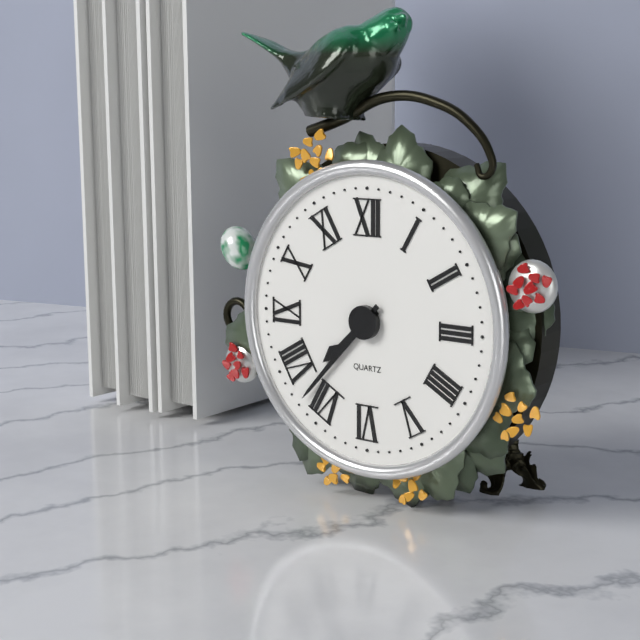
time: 7:37
